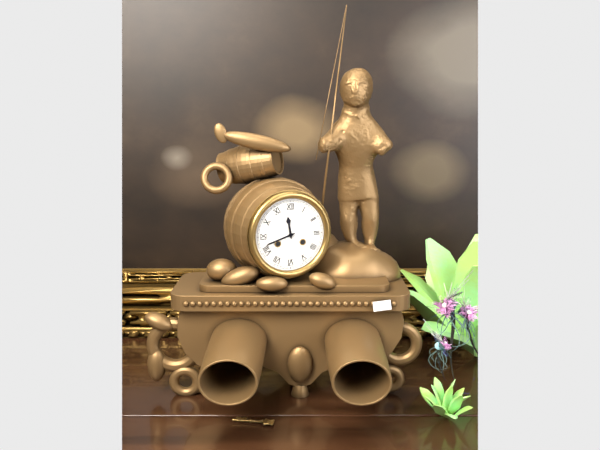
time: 11:42
